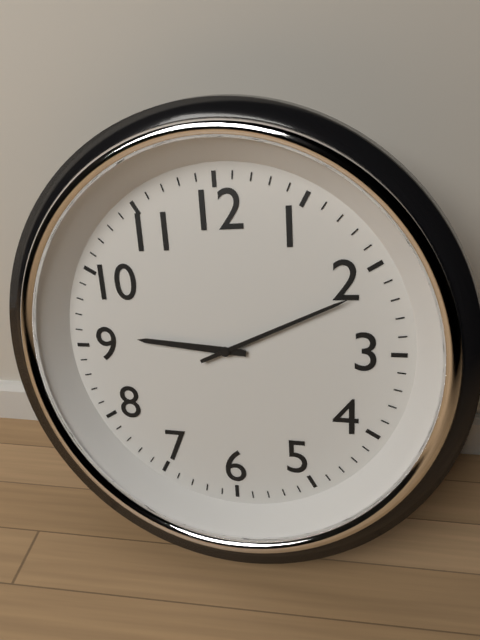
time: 9:11
